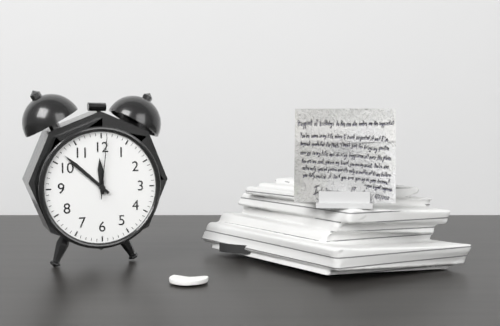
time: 11:52:01
